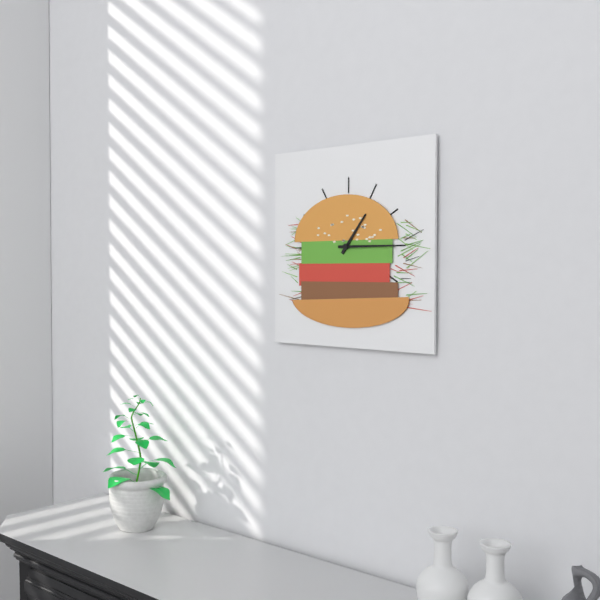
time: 1:15
